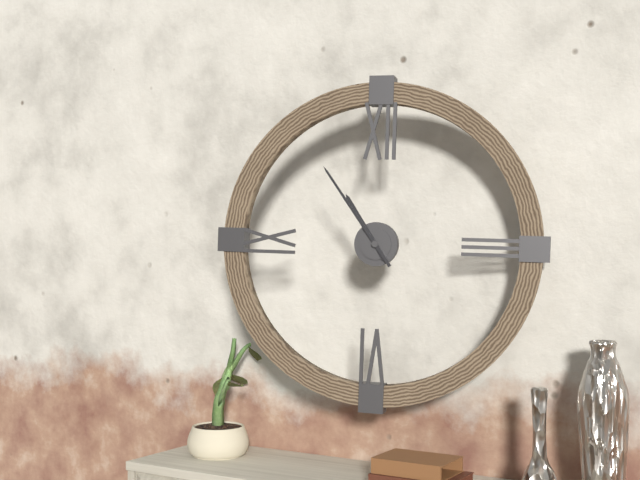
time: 10:54
